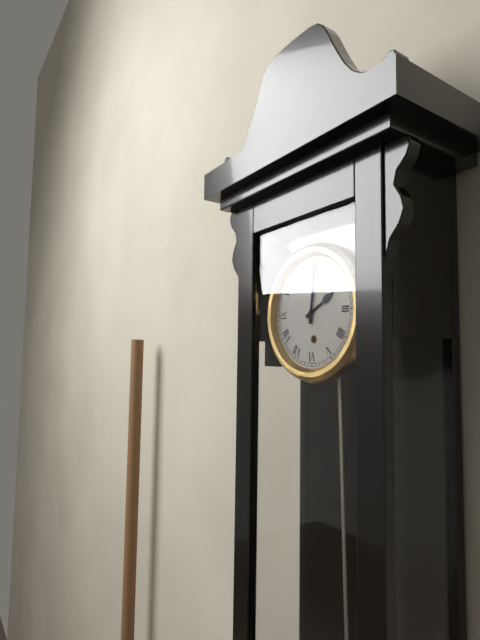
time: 2:01
